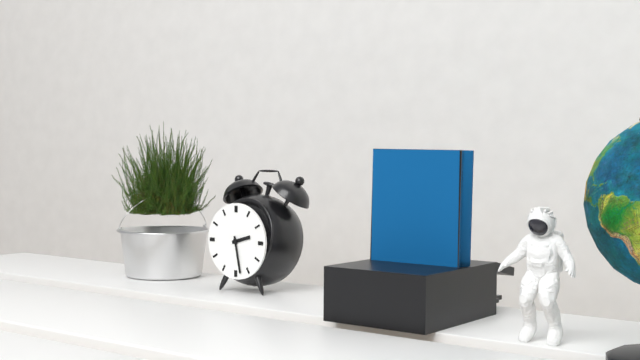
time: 2:28
